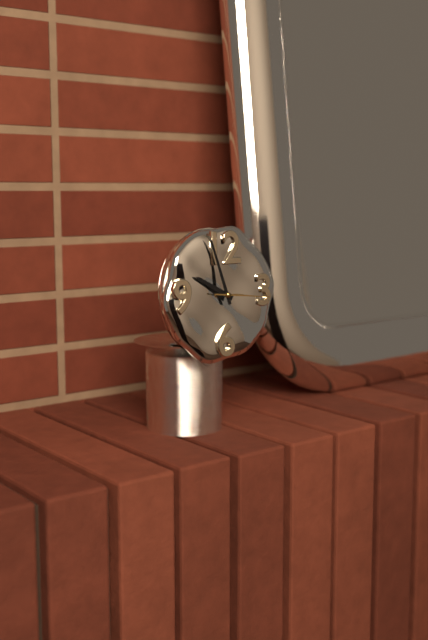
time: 9:57:16
